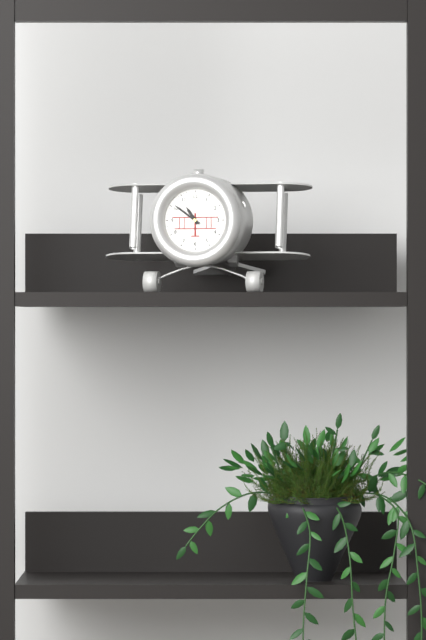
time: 10:51
